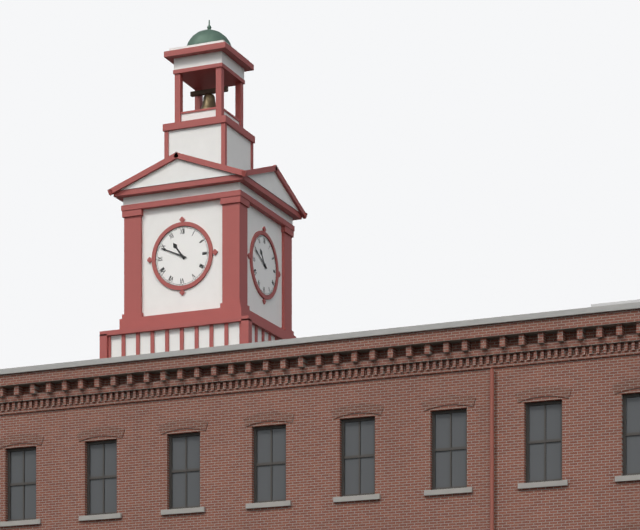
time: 10:49
